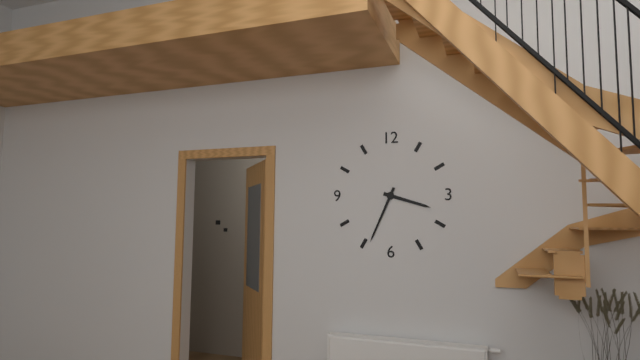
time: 3:34
